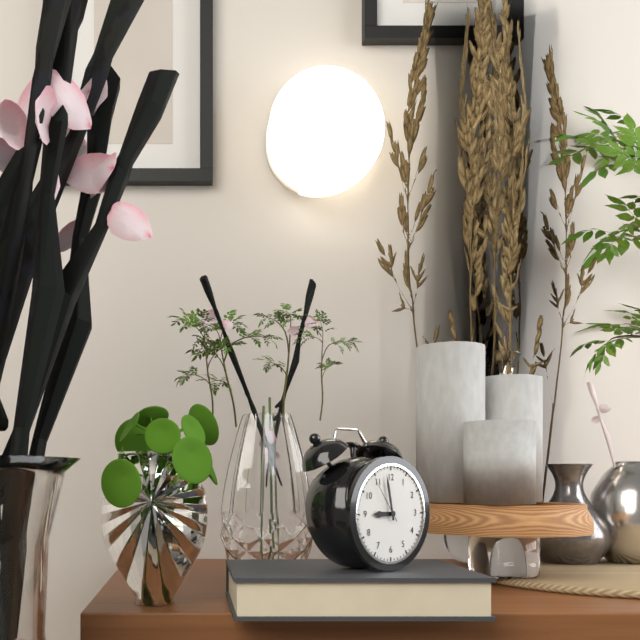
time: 8:58:54
